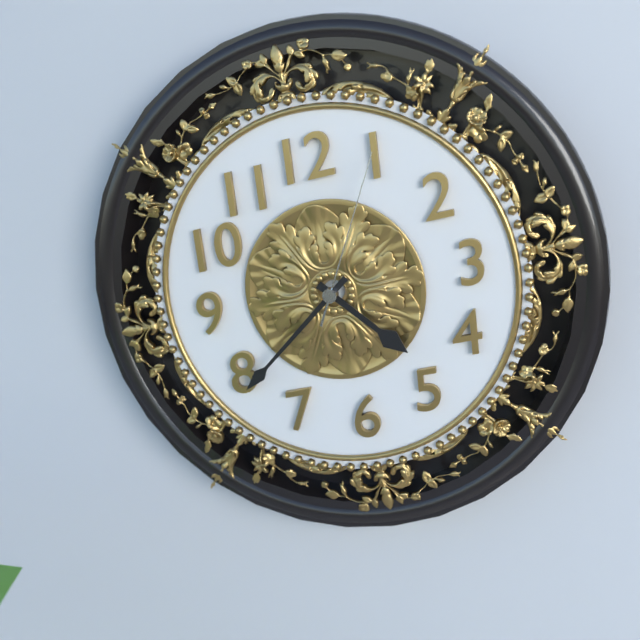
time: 4:39:05
